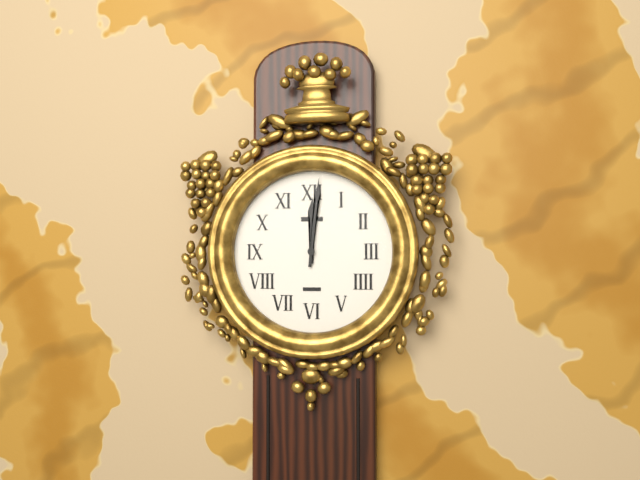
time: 12:01
